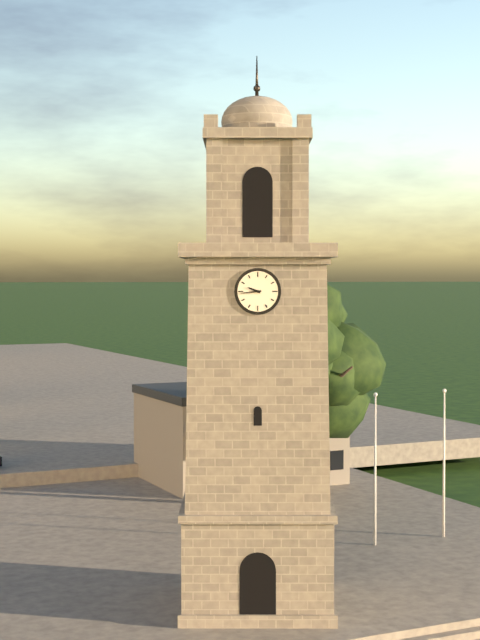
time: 9:44
